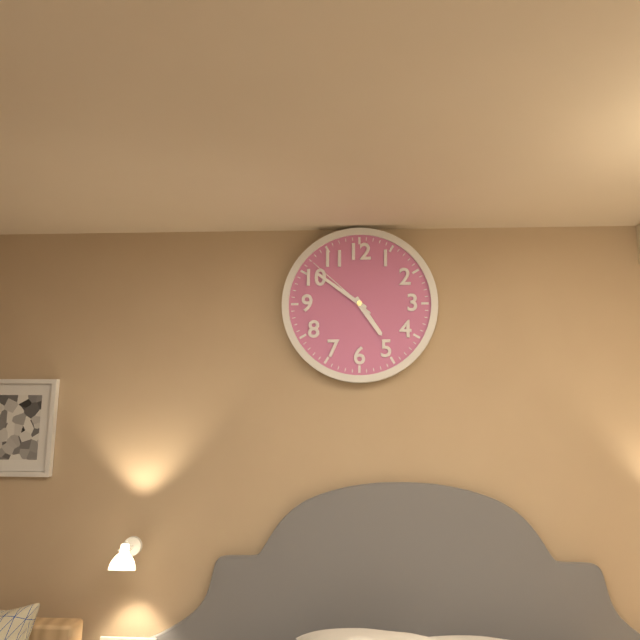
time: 4:51:52
